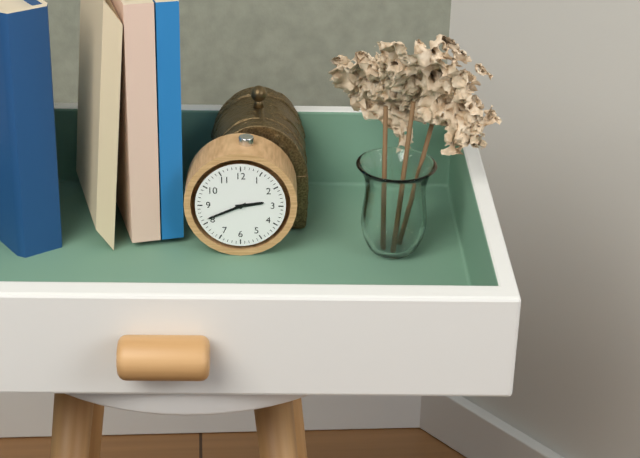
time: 2:41
